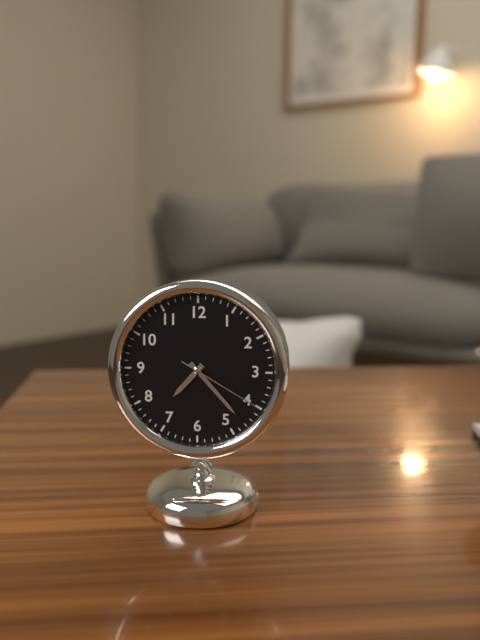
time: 7:23:20
